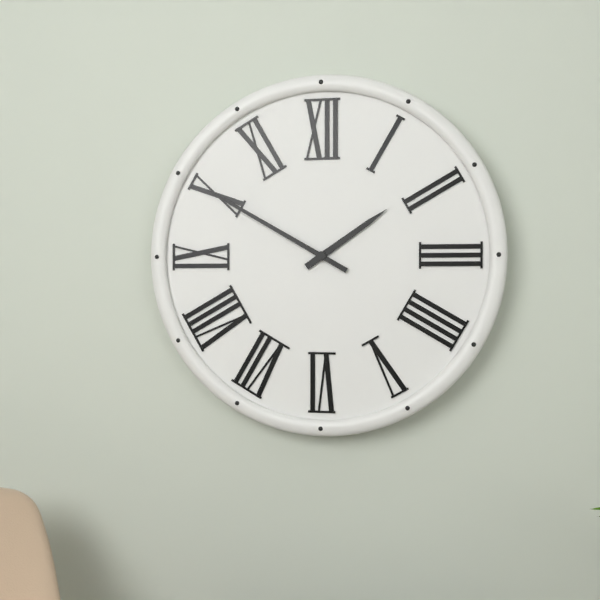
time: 1:50
